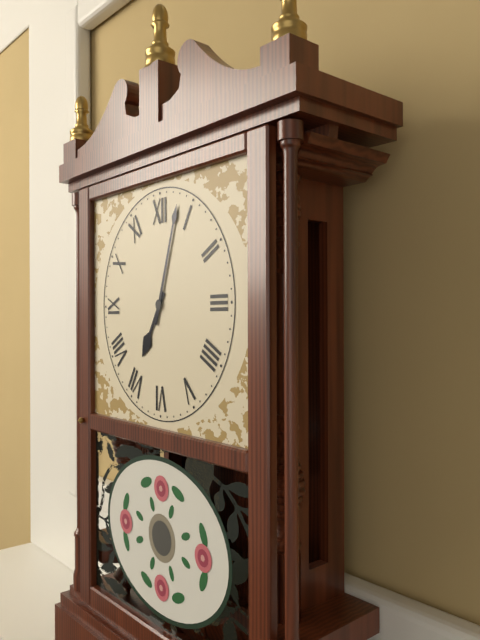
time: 7:03
